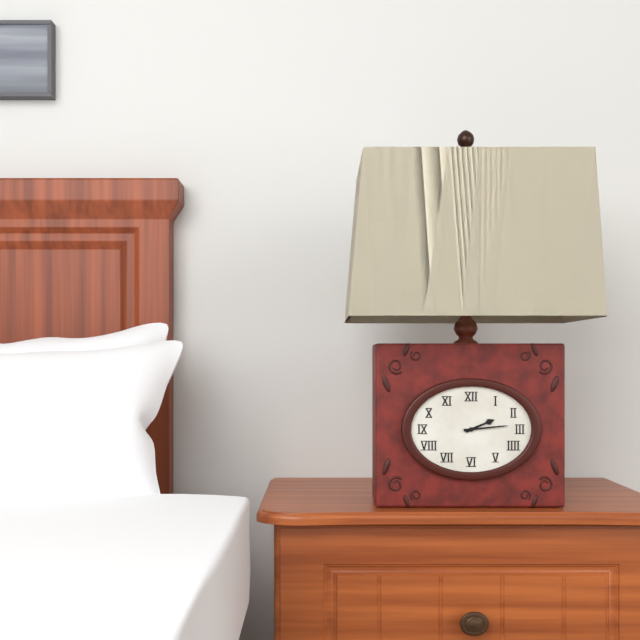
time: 2:14
